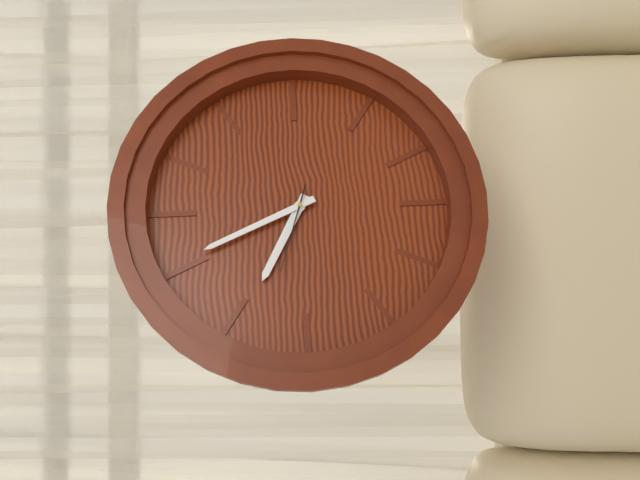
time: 9:56:48
